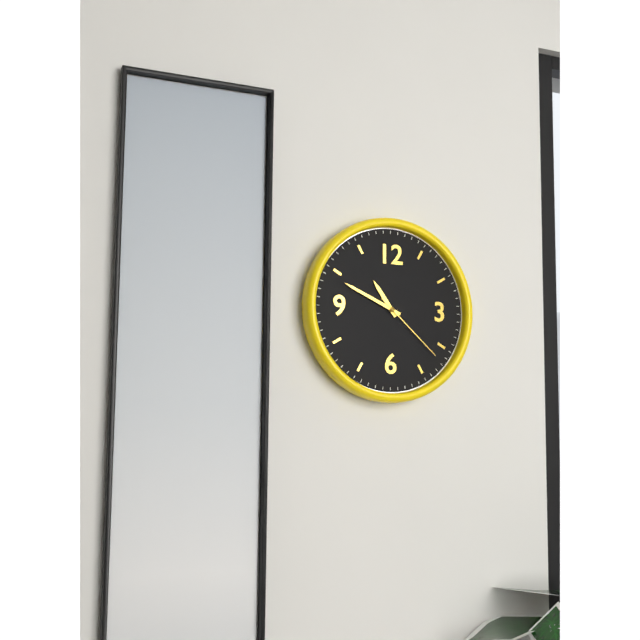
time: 10:49:22
